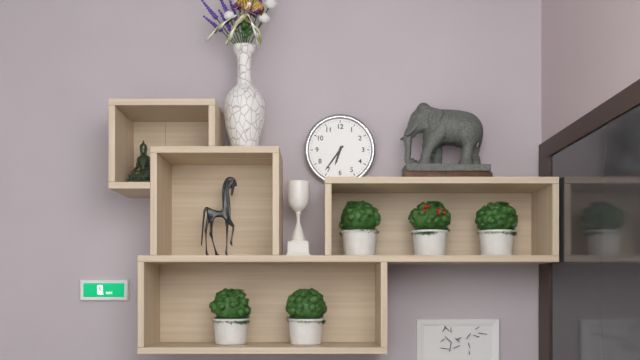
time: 6:36
